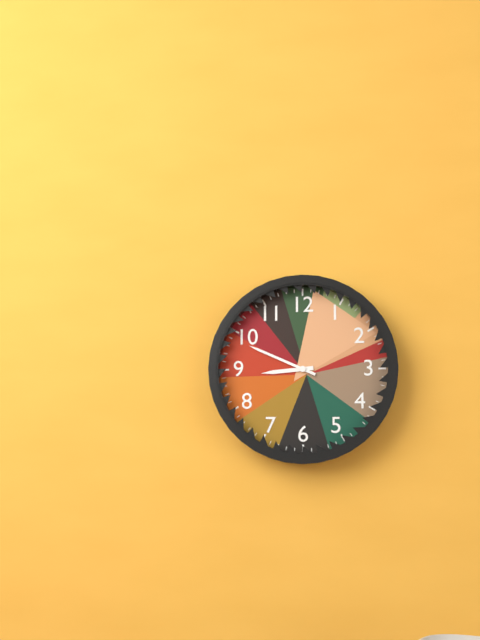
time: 8:49
